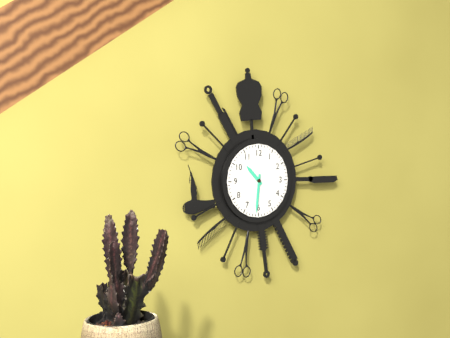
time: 10:31
